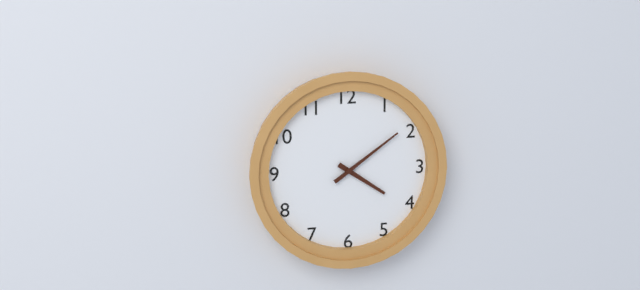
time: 4:09
